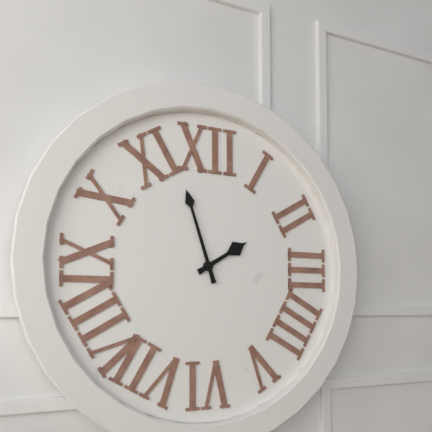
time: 1:57
